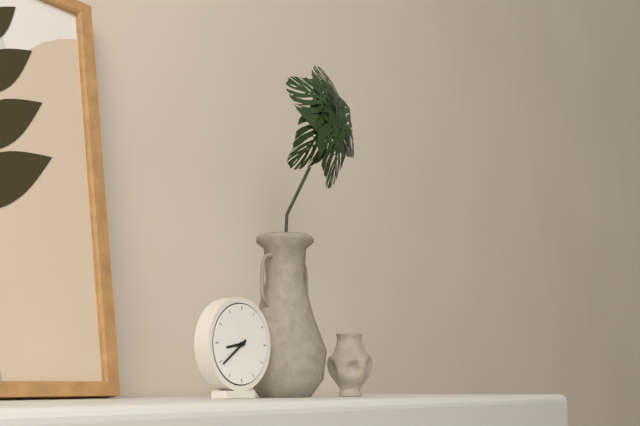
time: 8:39
